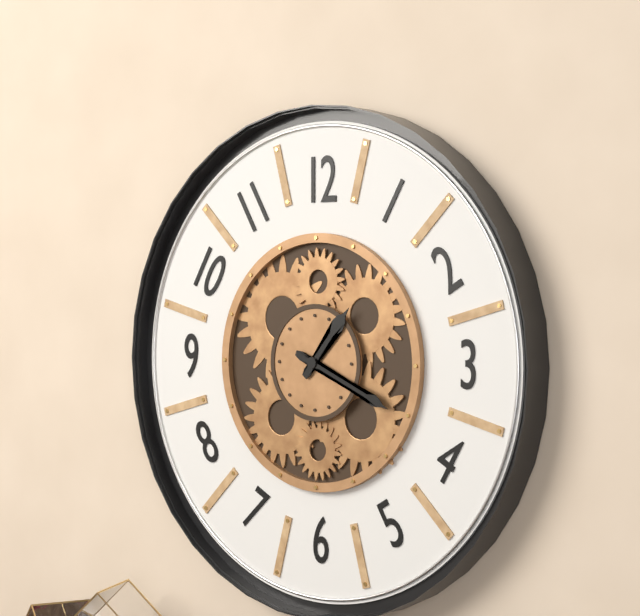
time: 1:19
